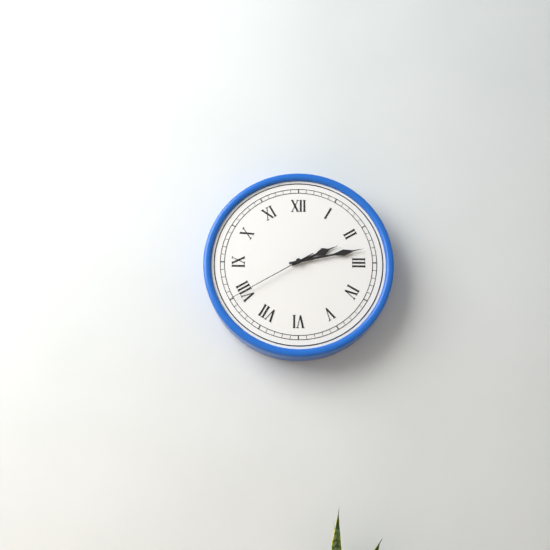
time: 2:13:40
